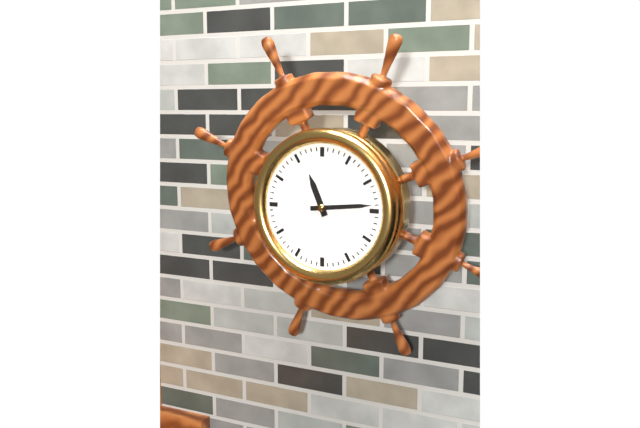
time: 11:14
